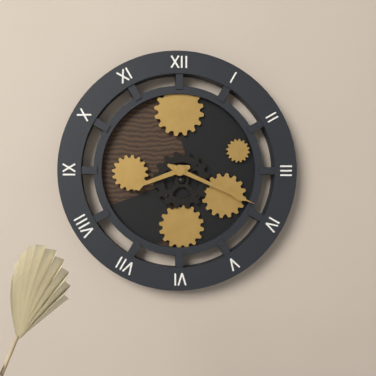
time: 8:19
